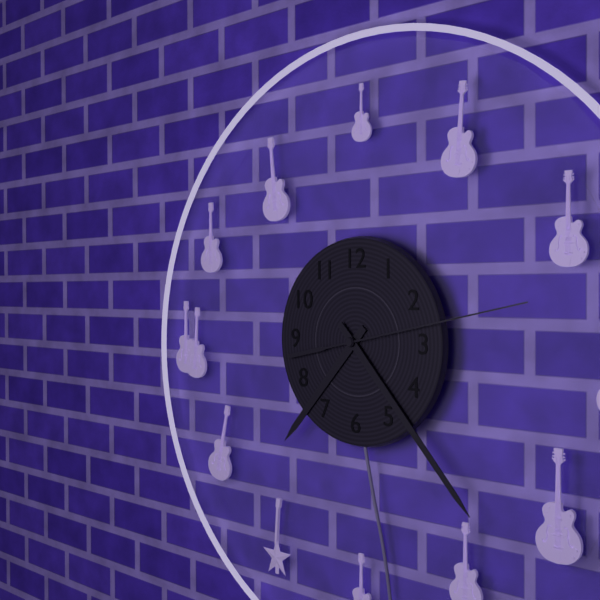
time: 7:23:13
